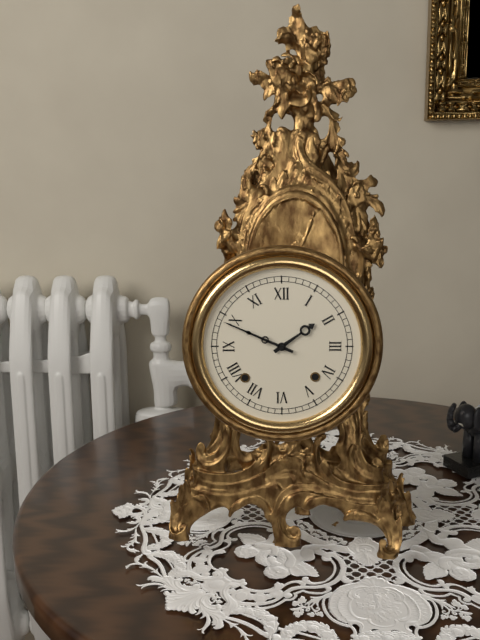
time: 1:49
